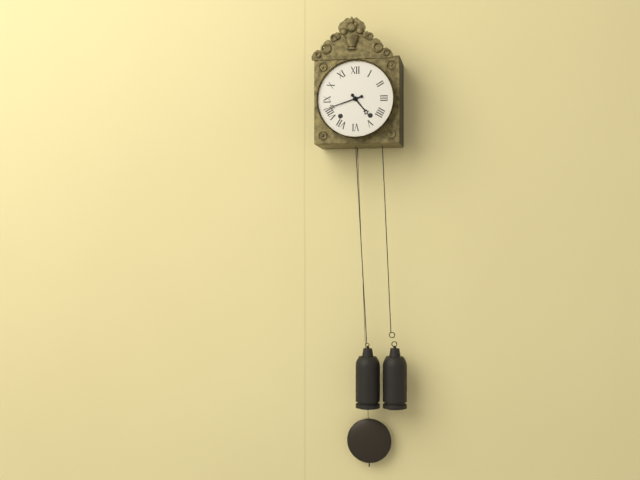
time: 4:42
